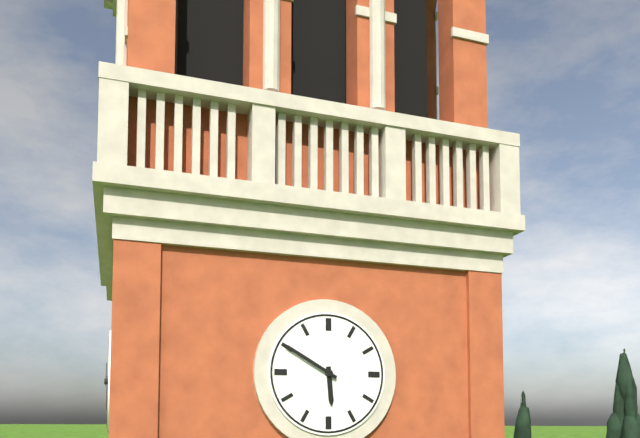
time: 5:50
